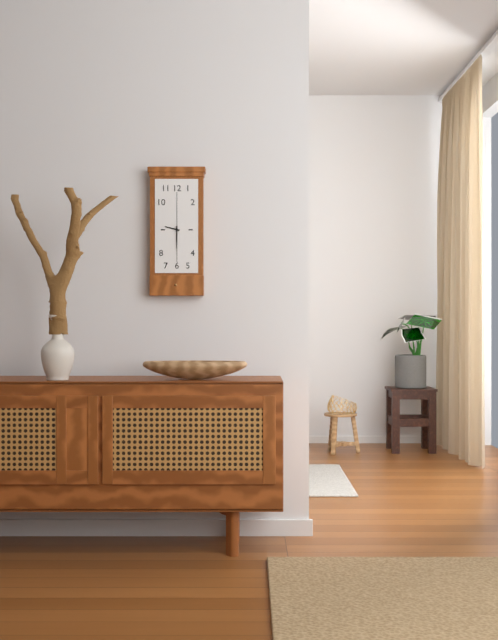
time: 9:30
